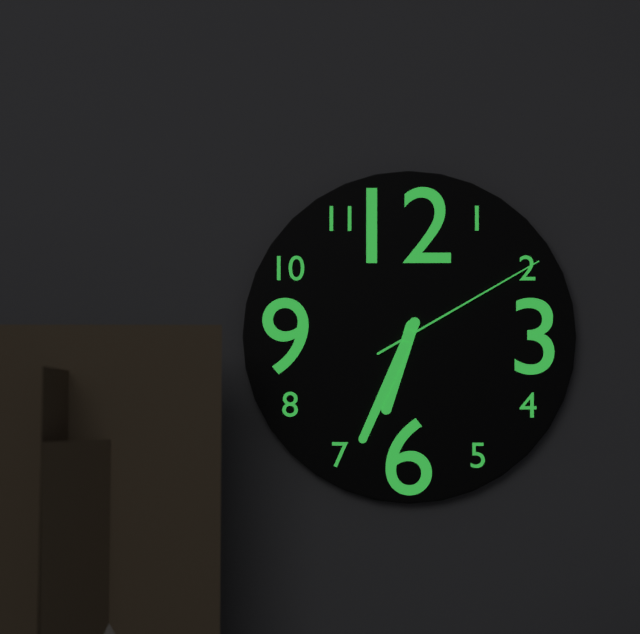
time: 6:34:10
